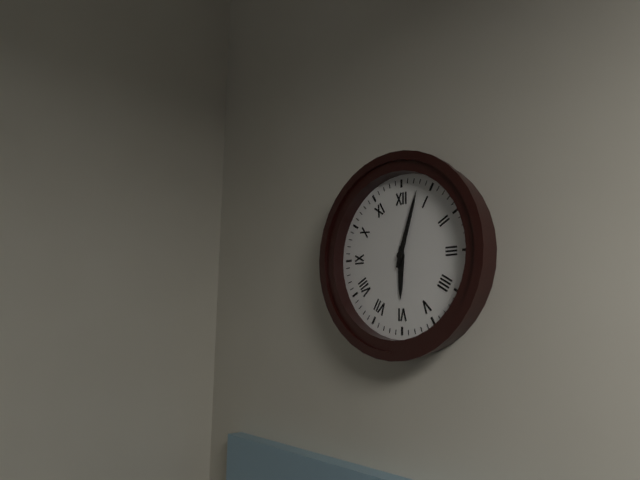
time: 6:03
